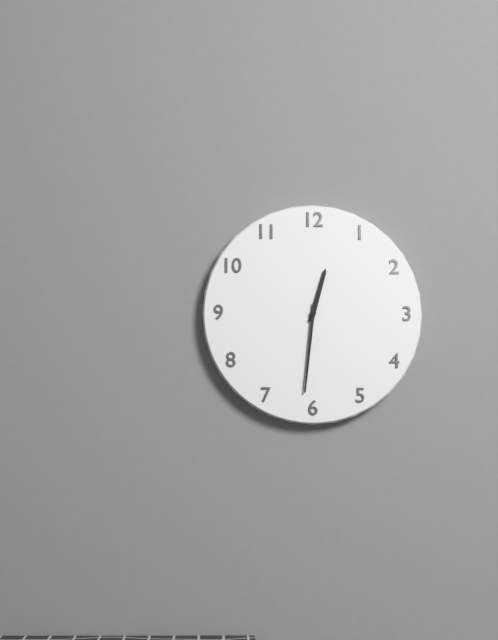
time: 12:31
